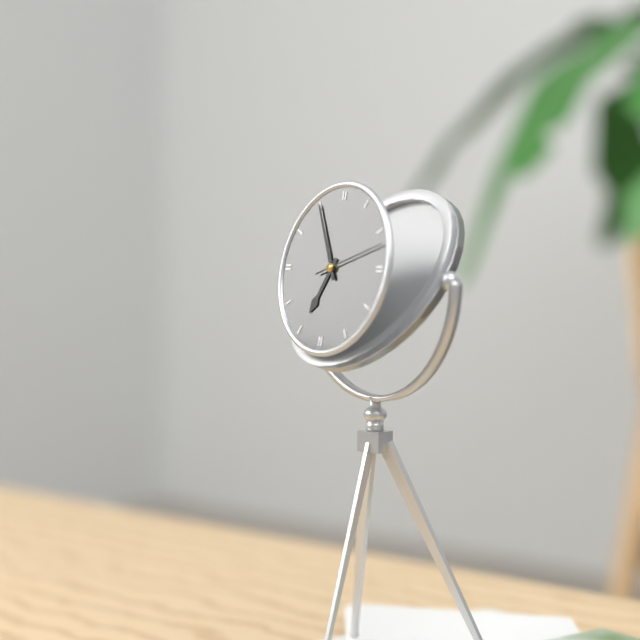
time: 6:55
